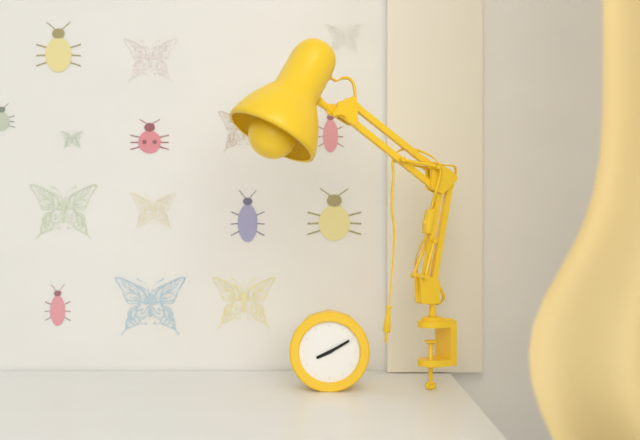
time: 8:10
